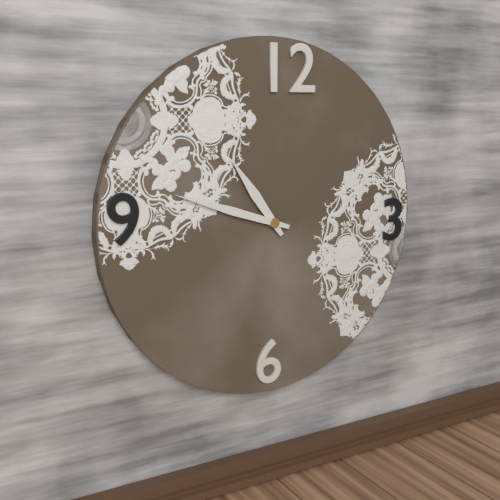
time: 10:48
